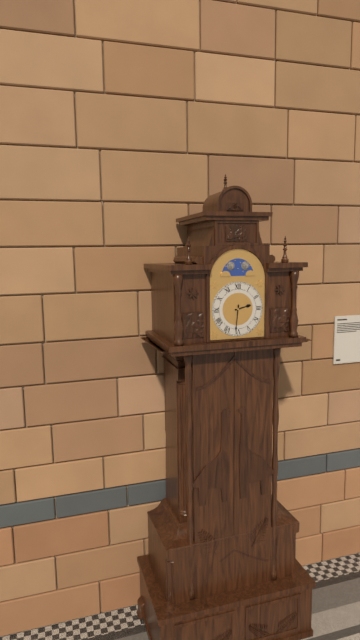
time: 2:31
